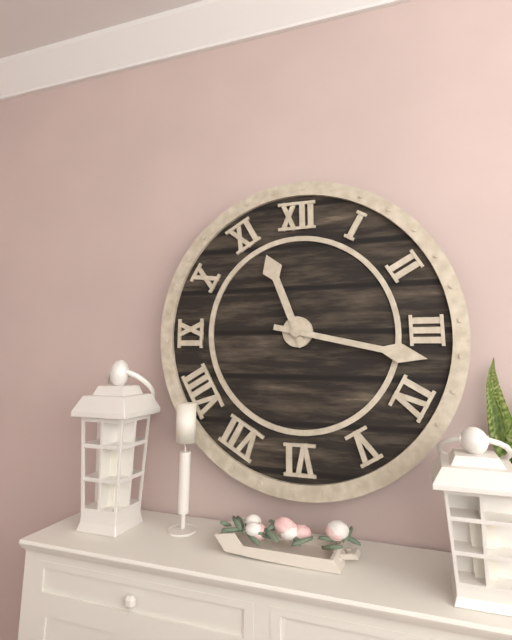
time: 11:17
